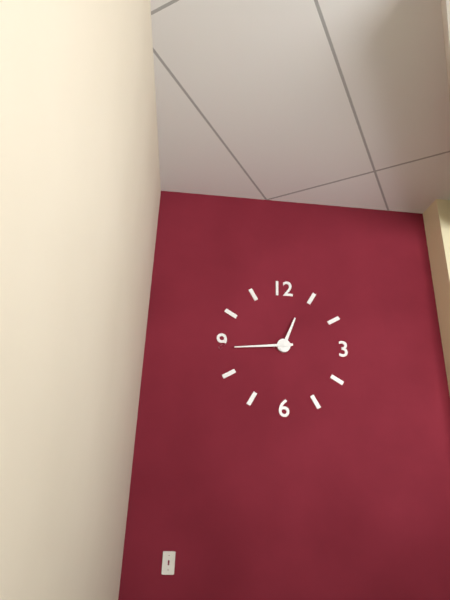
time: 12:44
